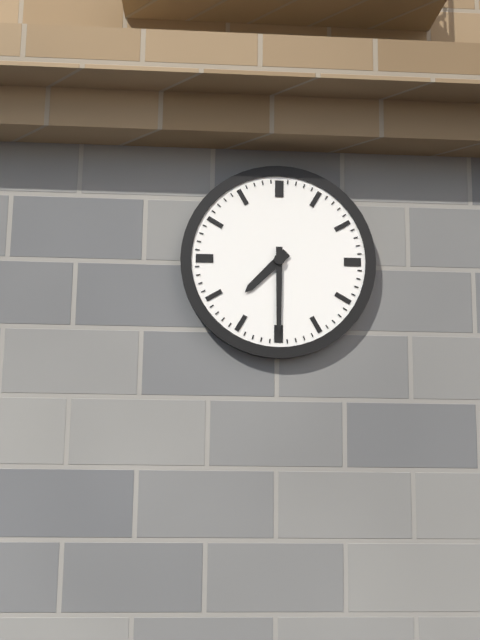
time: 7:30
